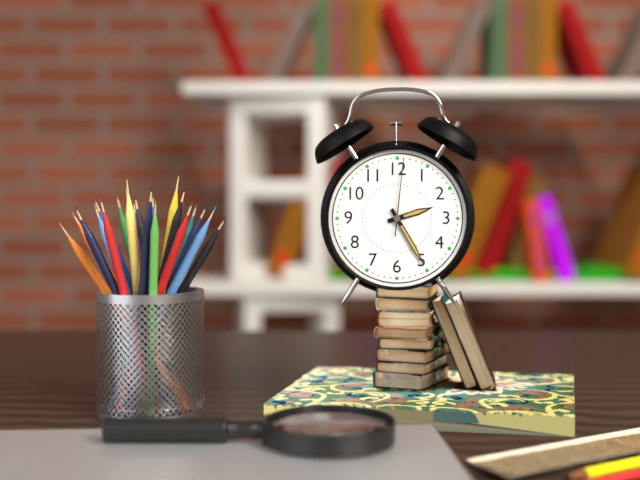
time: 2:25:01
